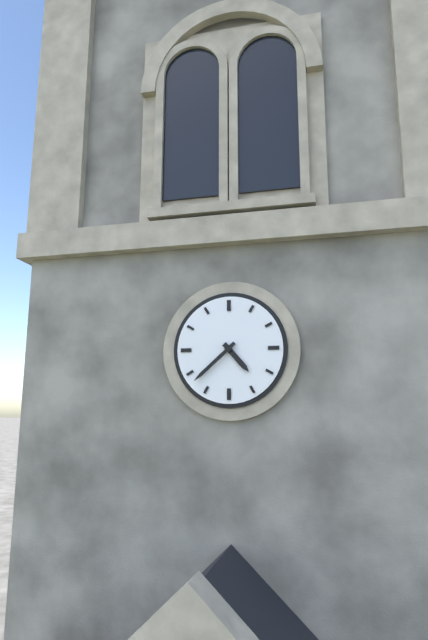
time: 4:38
